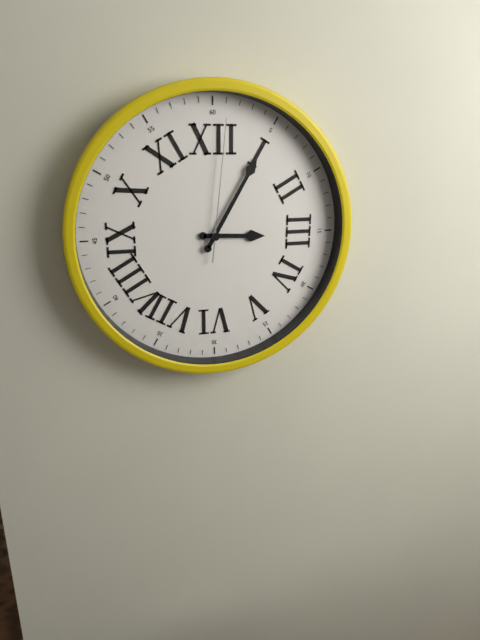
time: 3:05:01
